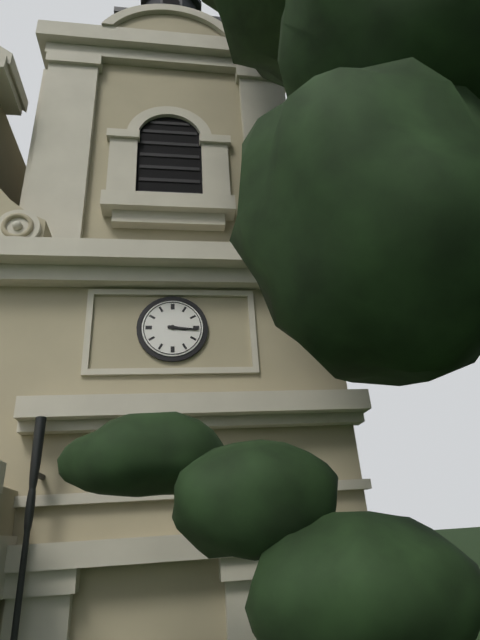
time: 3:16
